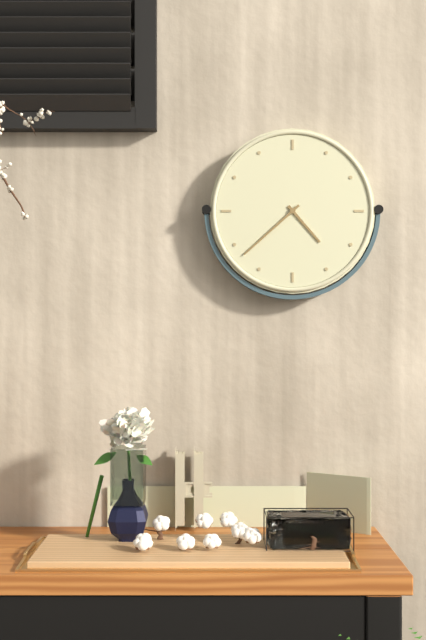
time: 4:38
